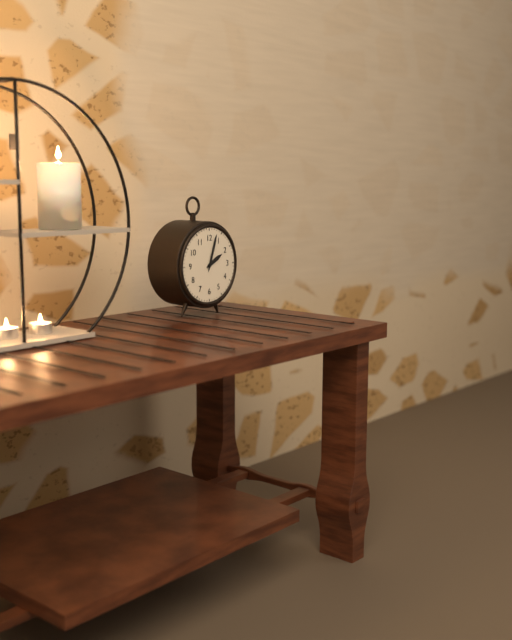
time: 2:03
